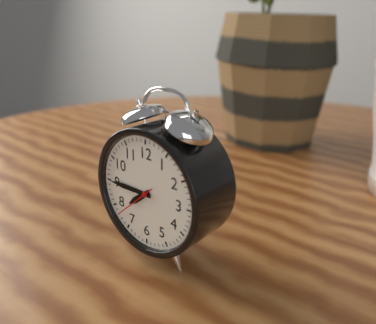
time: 7:45:38
